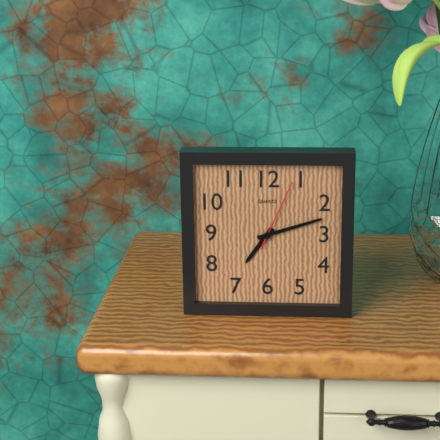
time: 7:12:04
